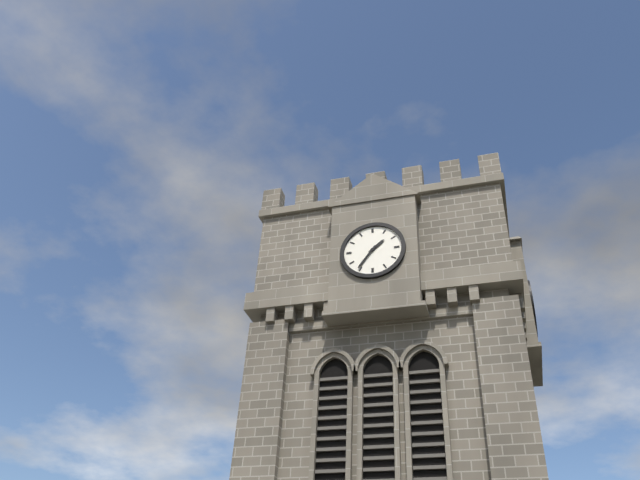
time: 1:36
